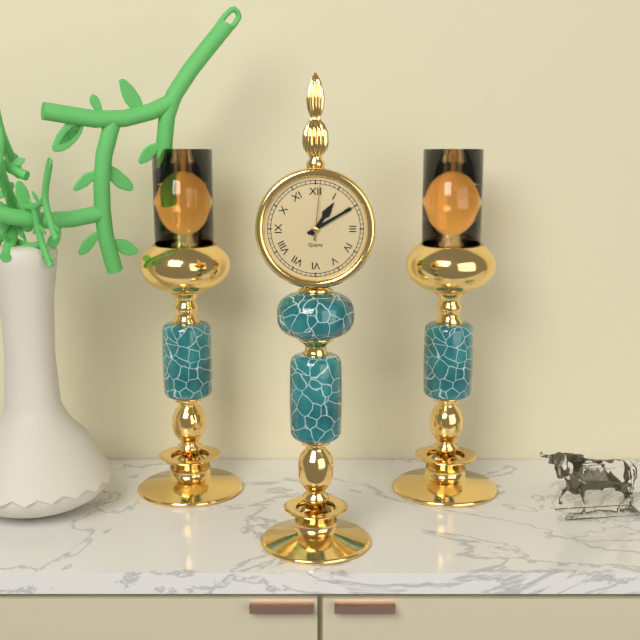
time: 1:10:01
